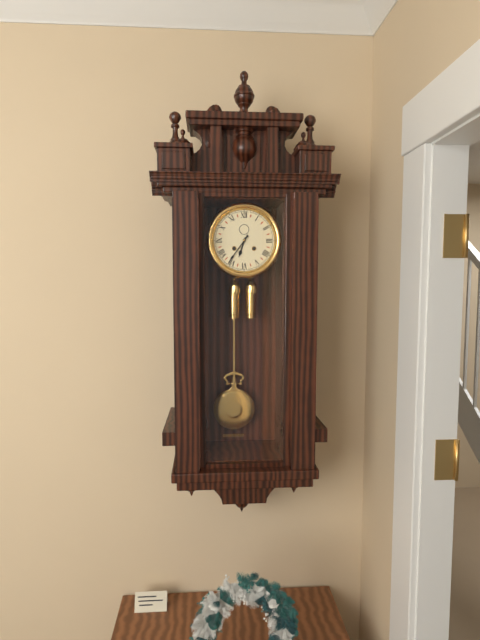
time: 6:36
